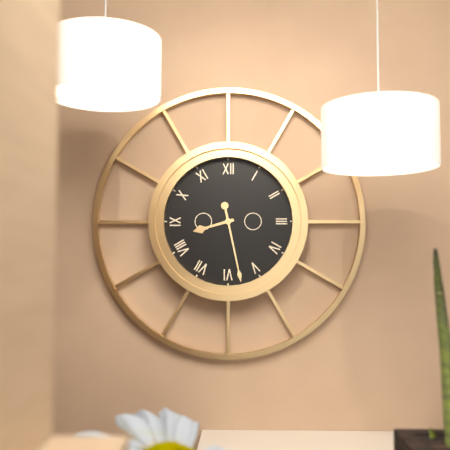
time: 8:28
